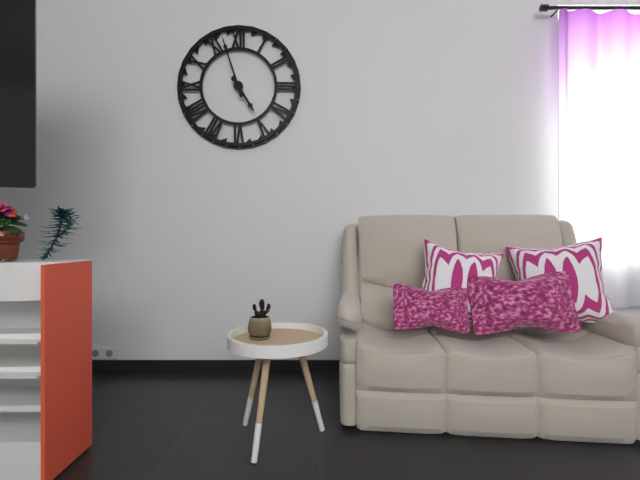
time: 4:57
